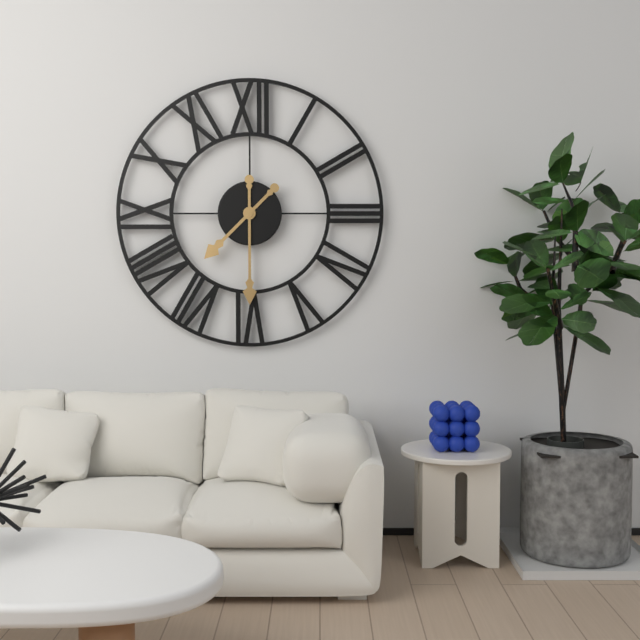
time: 7:30
